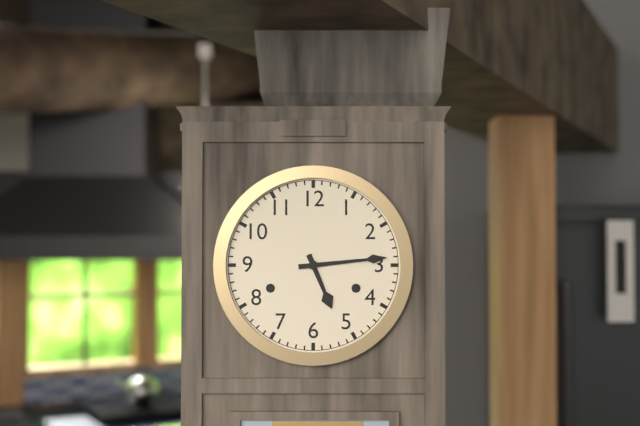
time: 5:14
